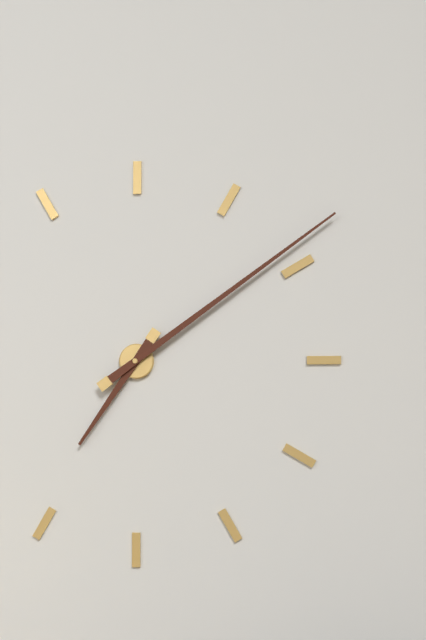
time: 7:09
